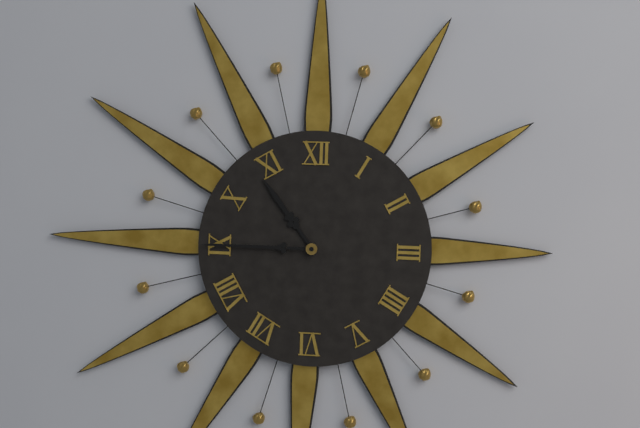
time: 10:45
